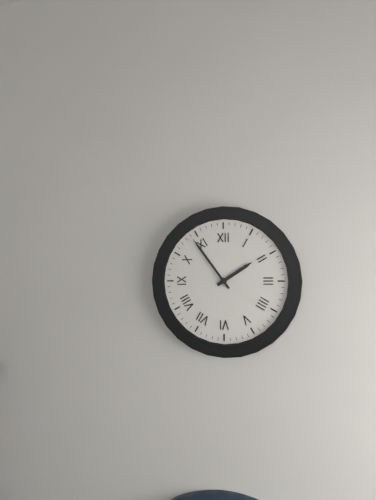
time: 1:54
